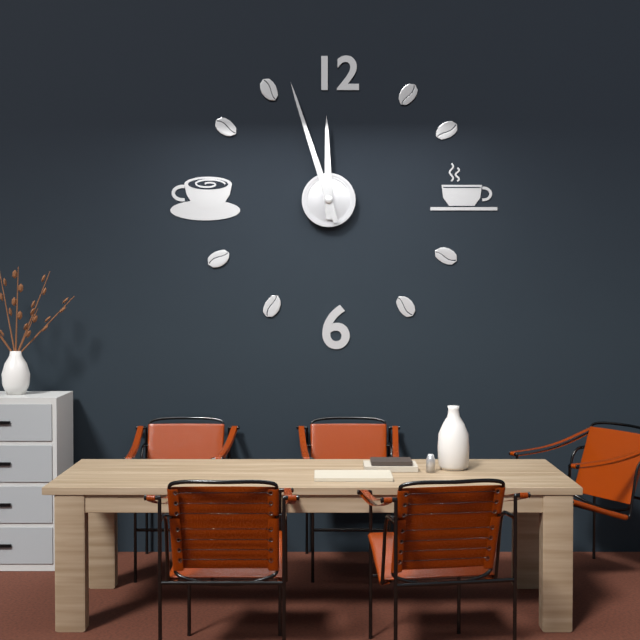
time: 11:57
